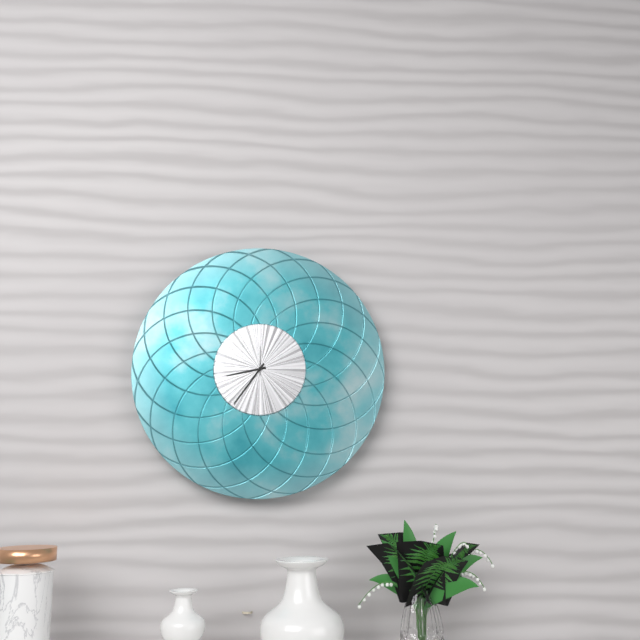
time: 8:36
